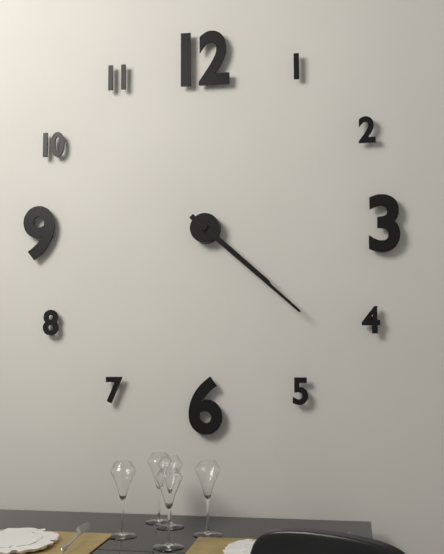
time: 4:22
